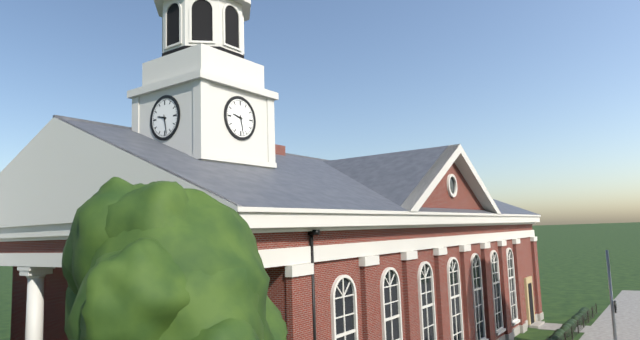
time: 9:28
